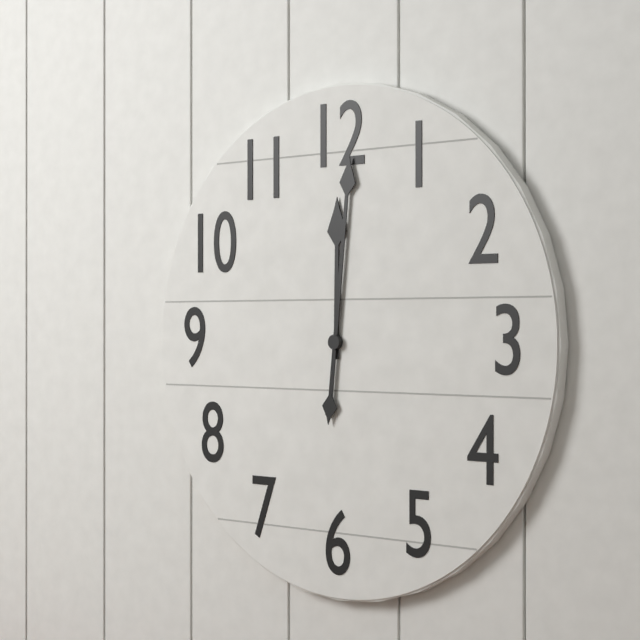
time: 12:01
